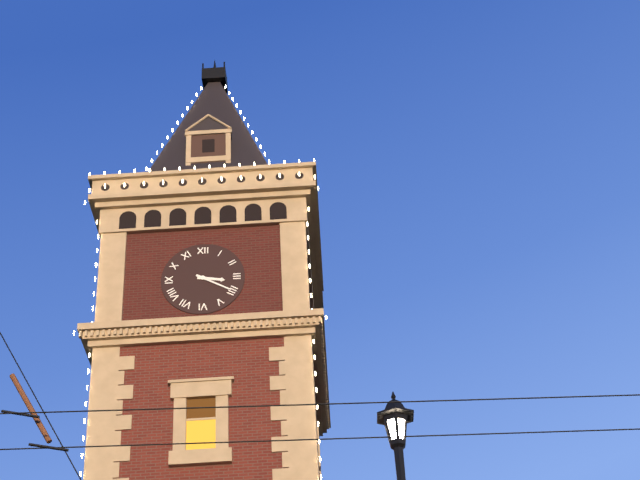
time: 3:20
